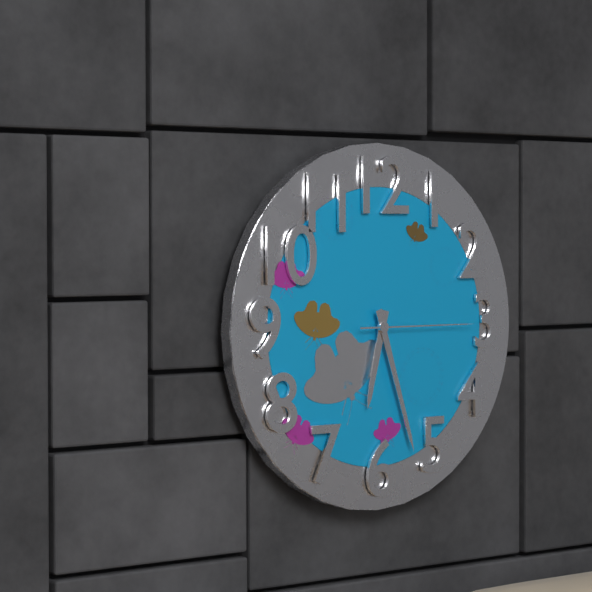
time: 6:27:15
